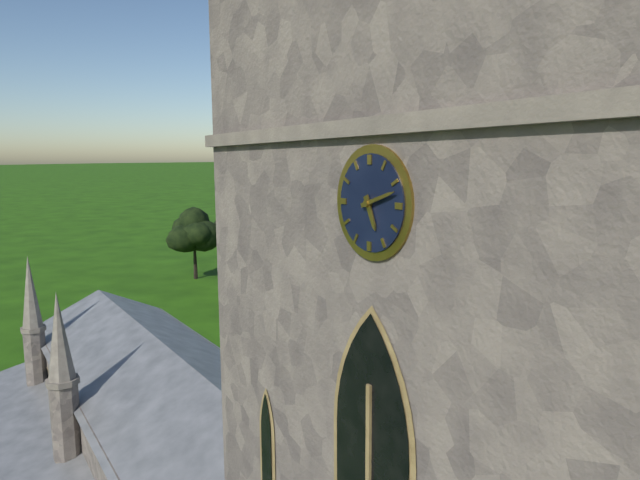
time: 5:12
